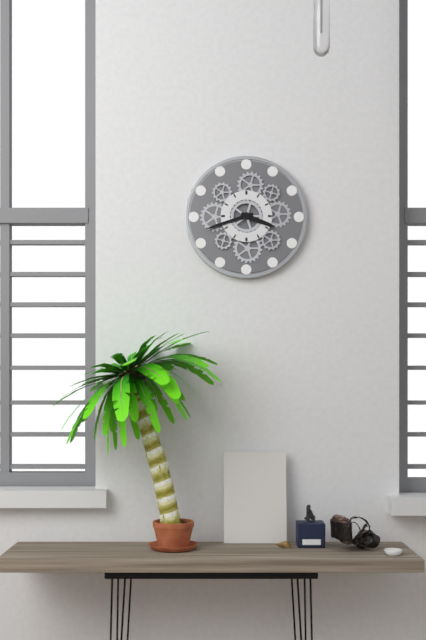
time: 3:42
